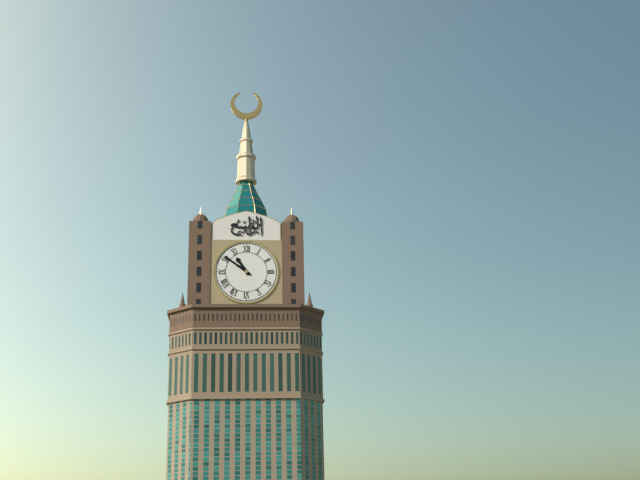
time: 10:51
